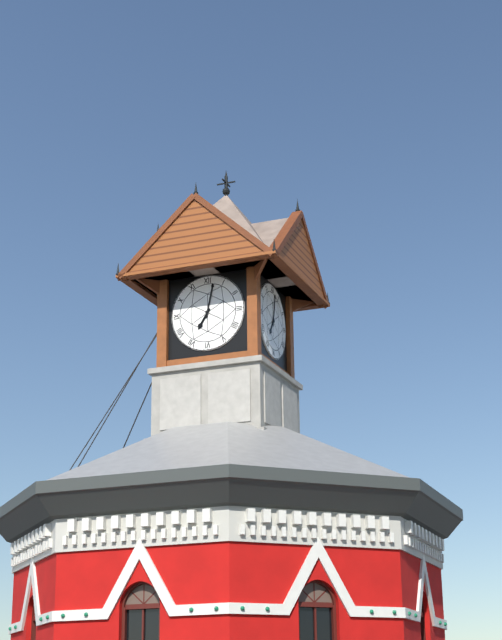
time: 7:02
